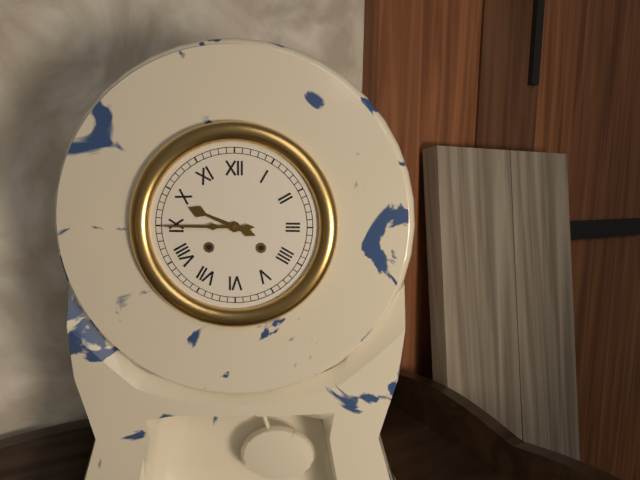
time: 9:45
